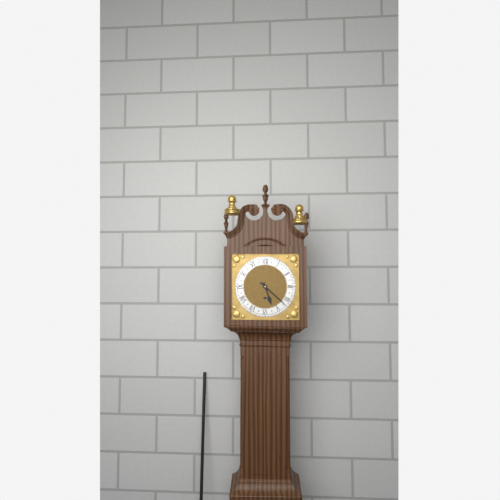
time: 5:22
